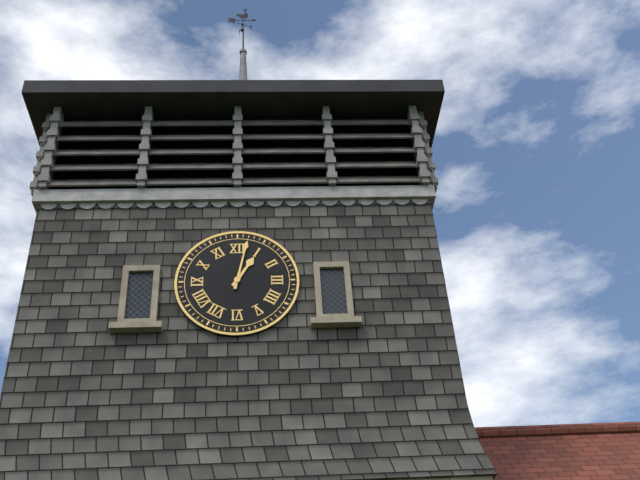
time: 1:02
